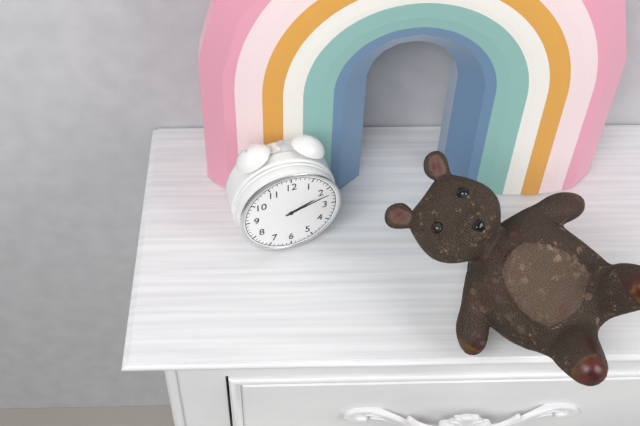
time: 2:12
